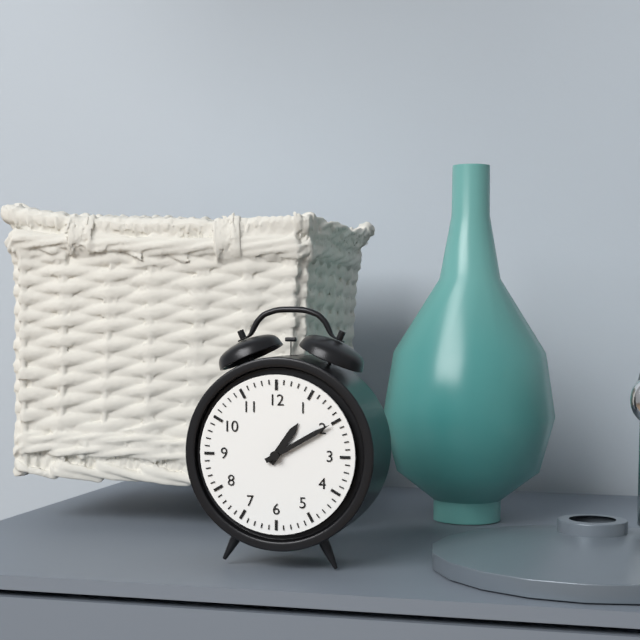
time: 1:10
